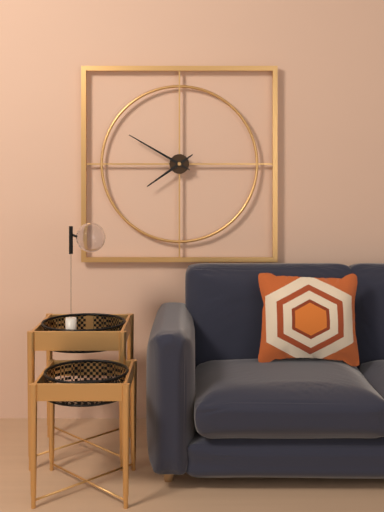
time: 7:50
